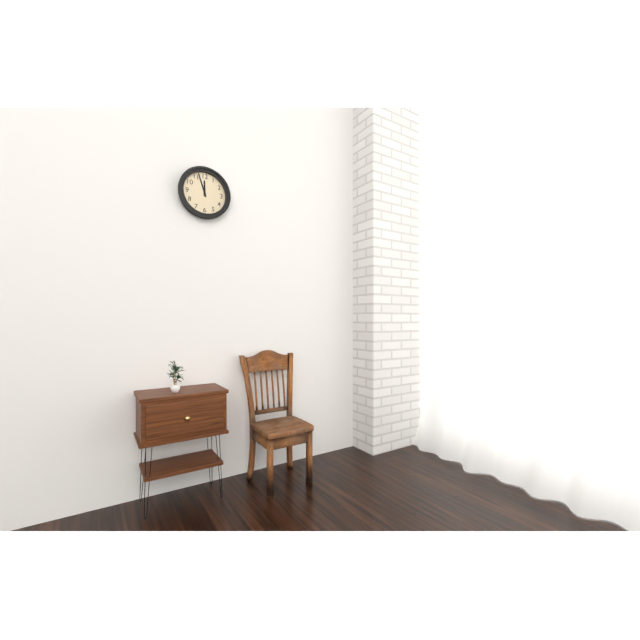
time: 11:57
